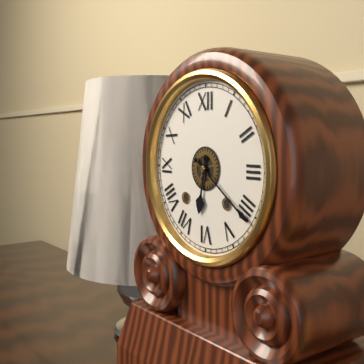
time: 6:21
